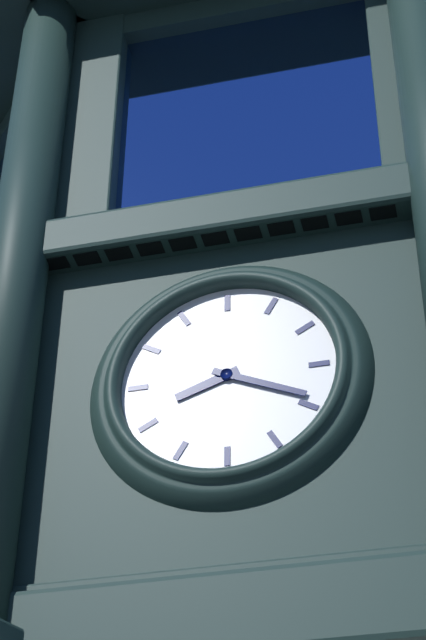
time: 8:19
